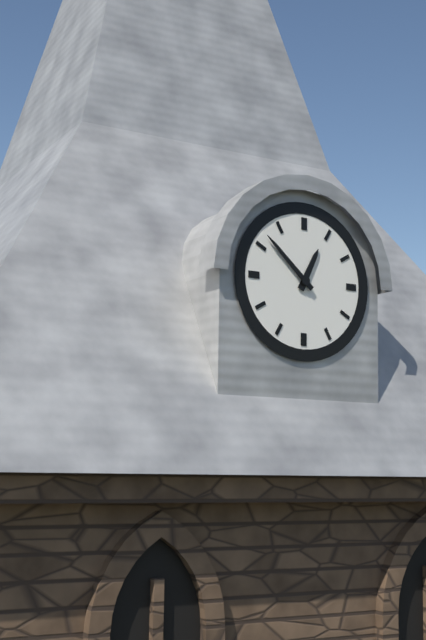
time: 12:52
